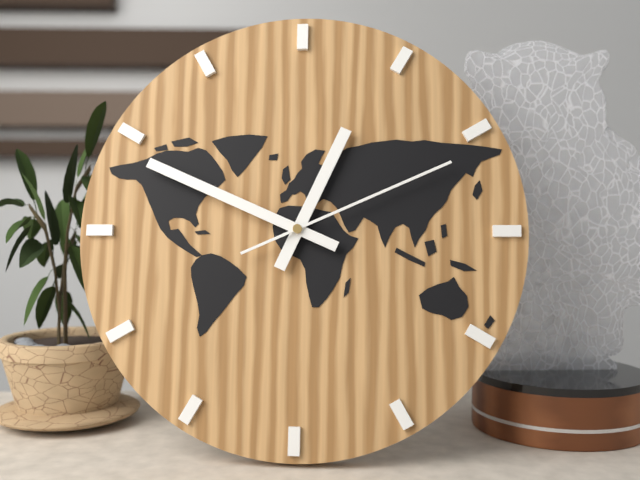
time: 12:49:11
